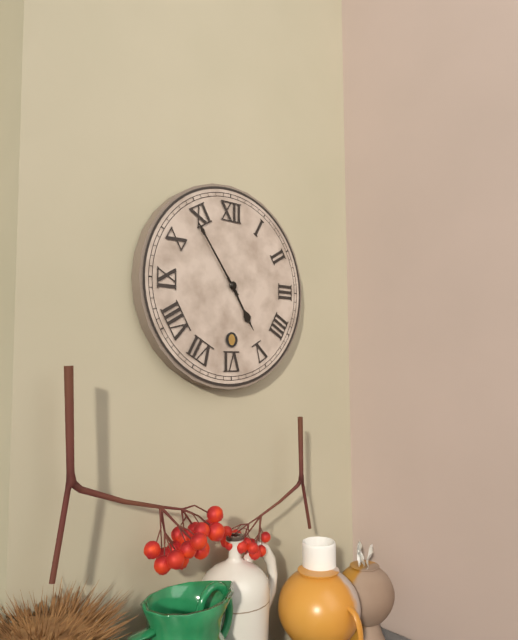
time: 4:54
